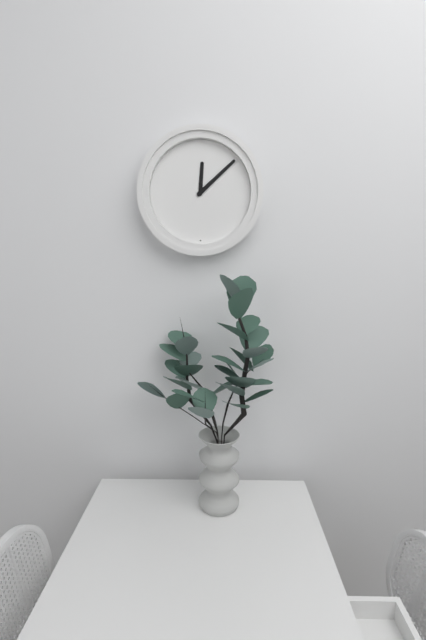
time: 12:08
